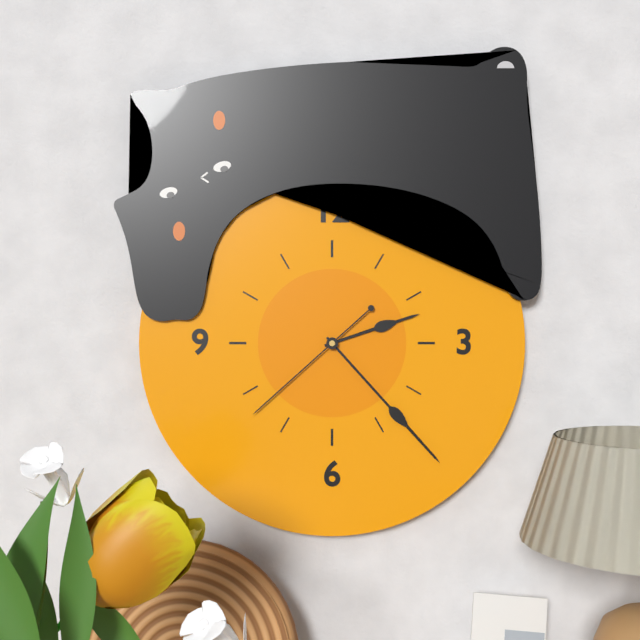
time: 2:23:38
